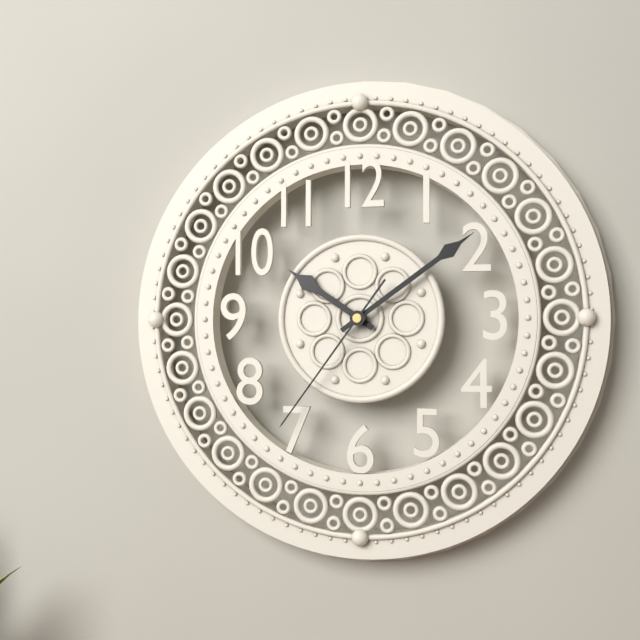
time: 10:09:36
